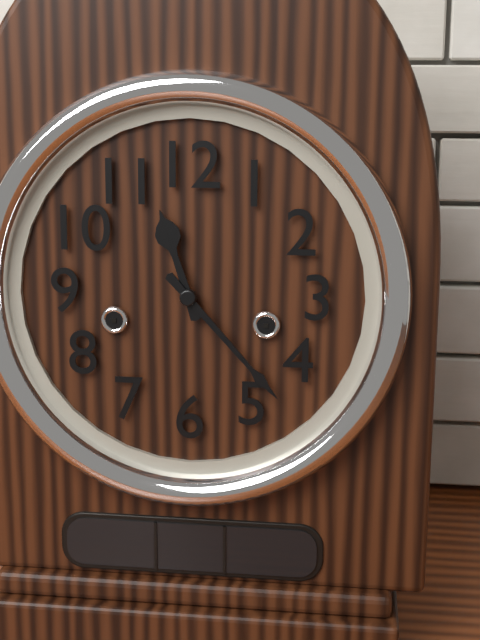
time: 11:23
